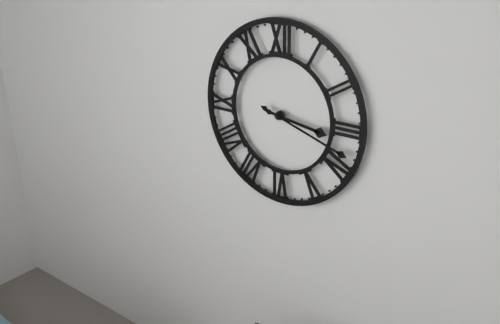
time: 3:18
